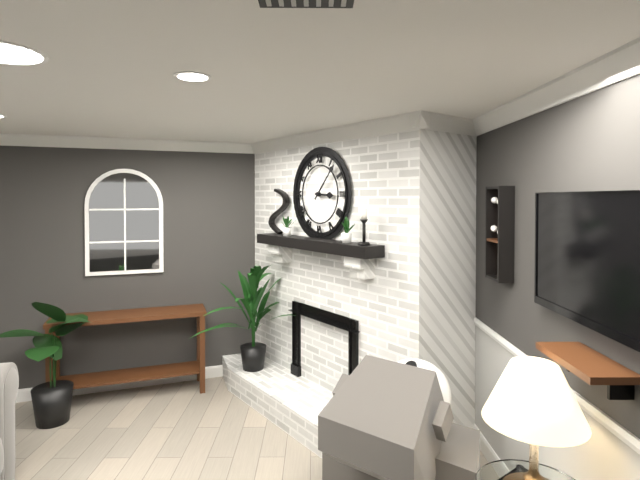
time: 3:07
